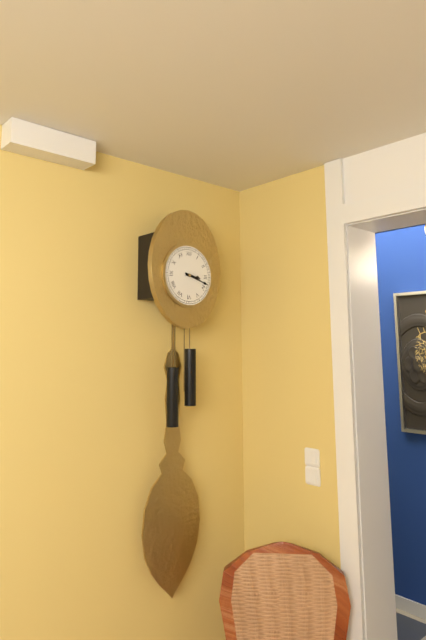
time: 3:18
